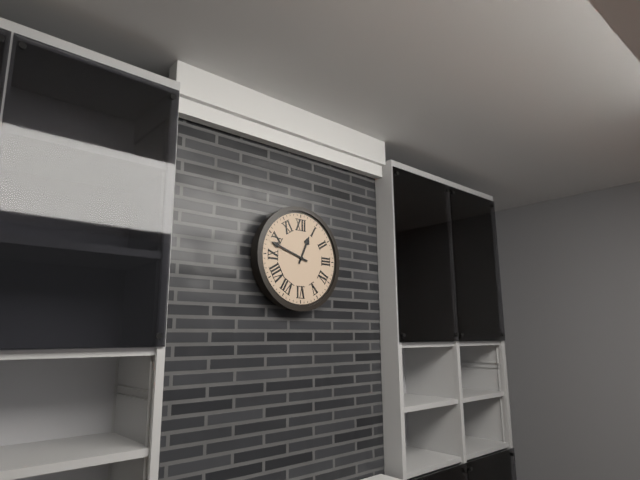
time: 12:48
